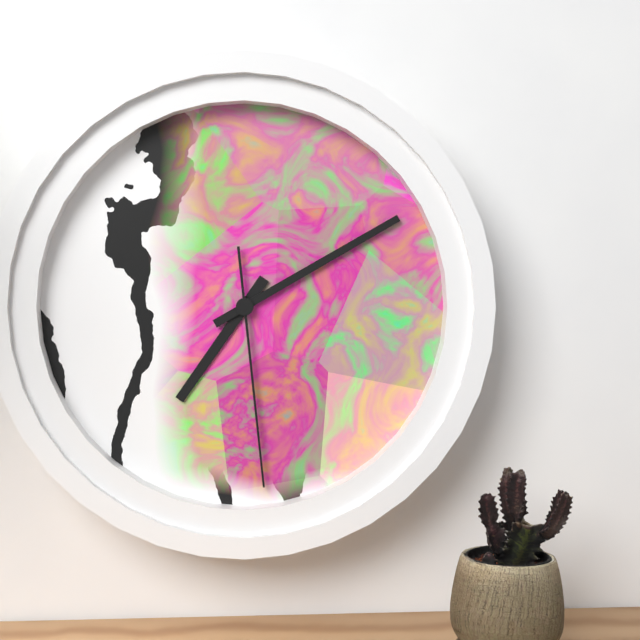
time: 7:10:29
